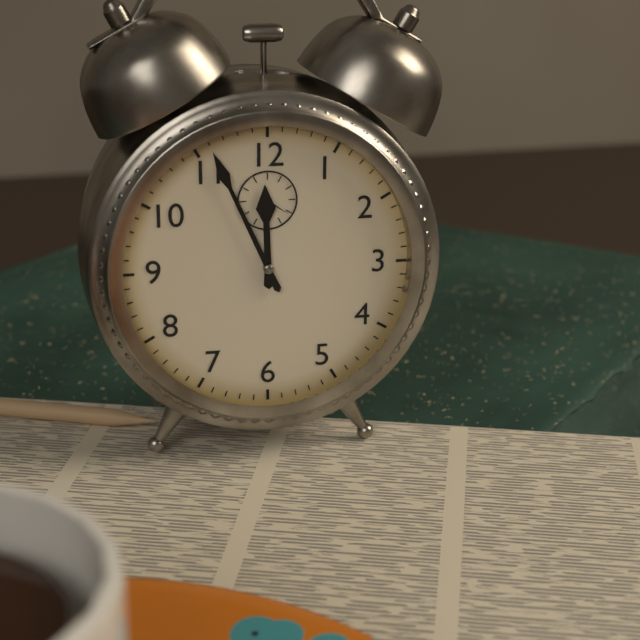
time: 11:56
